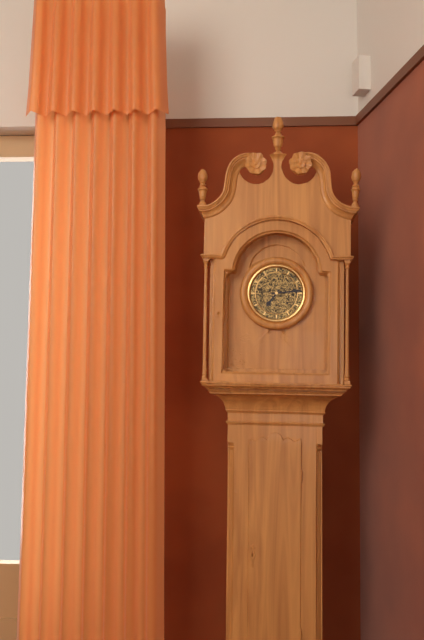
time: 7:14
